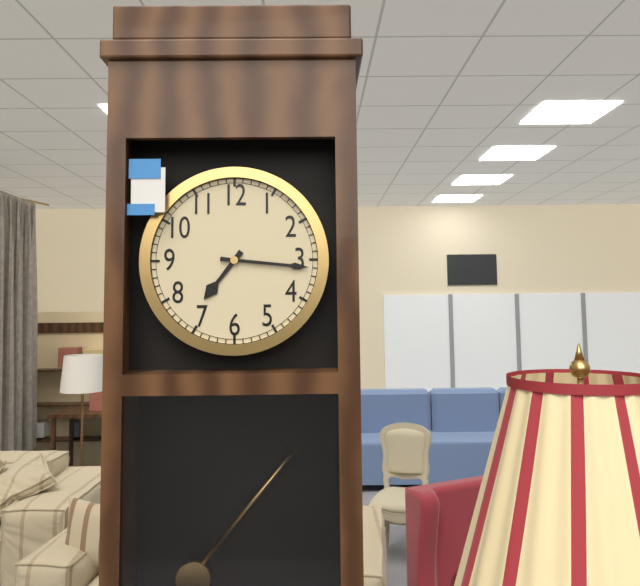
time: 7:16
